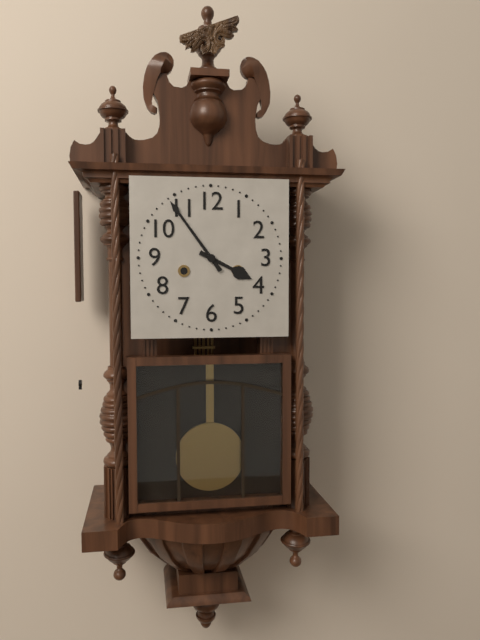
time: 3:54
